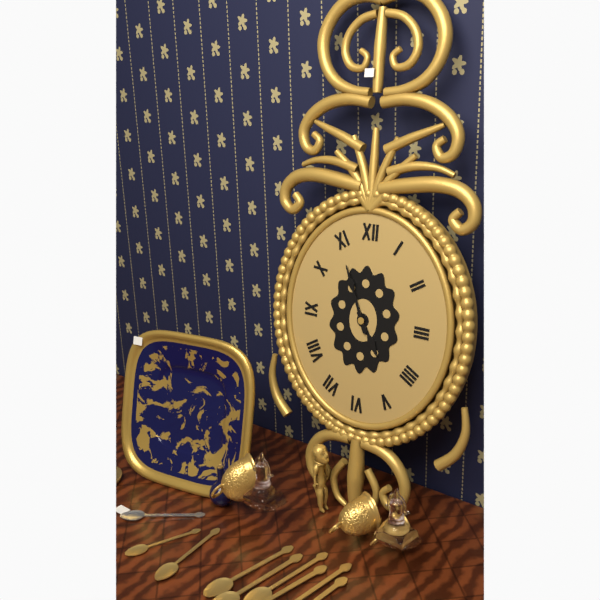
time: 4:56
